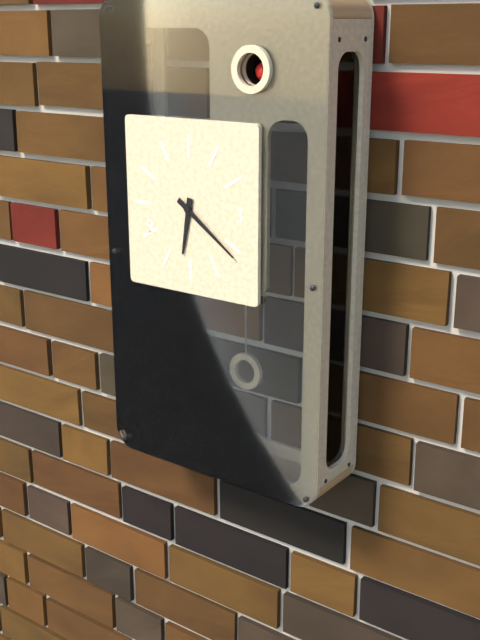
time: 6:21
